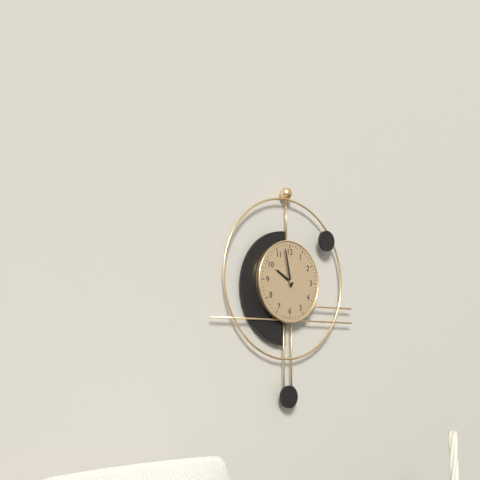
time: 9:58
